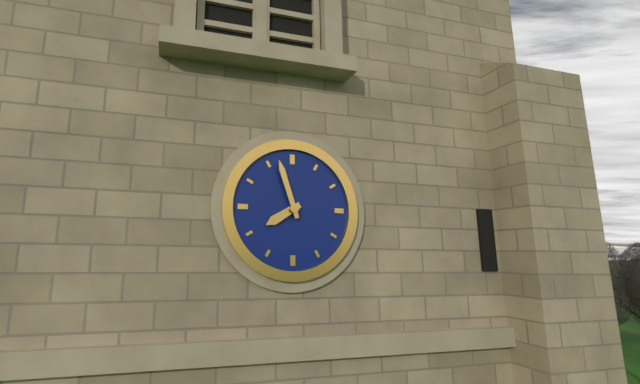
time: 7:57
